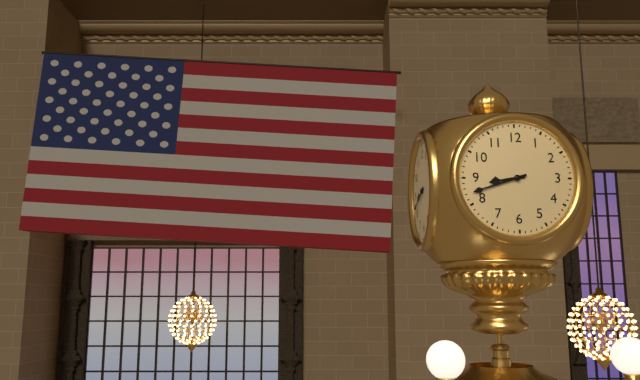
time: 8:42
